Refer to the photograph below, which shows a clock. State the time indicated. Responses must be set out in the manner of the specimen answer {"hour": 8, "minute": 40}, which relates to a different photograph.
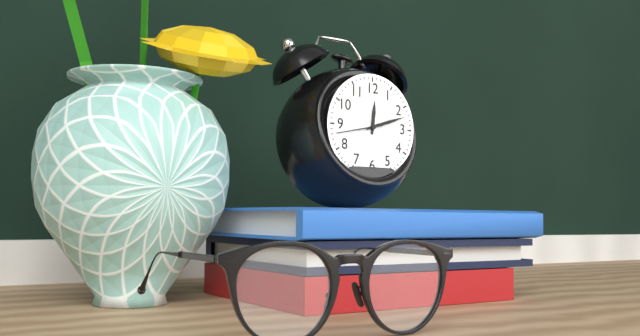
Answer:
{"hour": 12, "minute": 12}
